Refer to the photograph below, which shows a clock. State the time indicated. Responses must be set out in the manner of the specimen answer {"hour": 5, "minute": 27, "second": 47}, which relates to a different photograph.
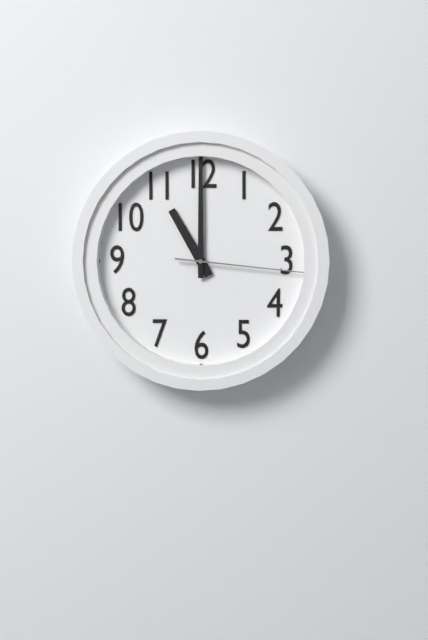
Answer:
{"hour": 11, "minute": 0, "second": 16}
